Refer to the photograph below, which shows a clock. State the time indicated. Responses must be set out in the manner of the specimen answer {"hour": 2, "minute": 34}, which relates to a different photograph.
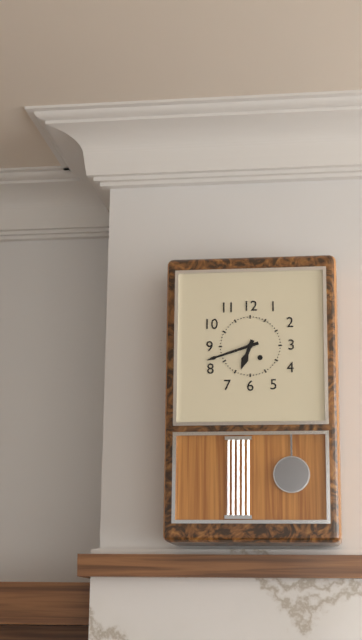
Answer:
{"hour": 6, "minute": 42}
